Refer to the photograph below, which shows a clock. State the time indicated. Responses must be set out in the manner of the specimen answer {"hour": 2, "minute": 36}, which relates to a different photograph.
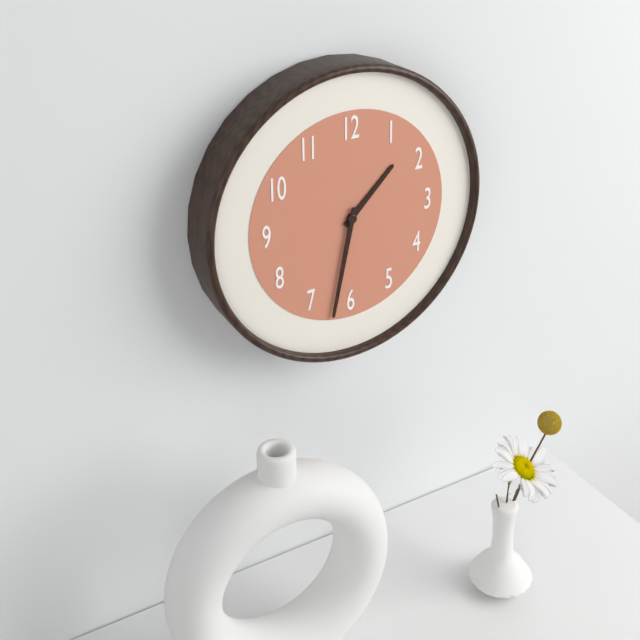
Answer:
{"hour": 1, "minute": 32}
